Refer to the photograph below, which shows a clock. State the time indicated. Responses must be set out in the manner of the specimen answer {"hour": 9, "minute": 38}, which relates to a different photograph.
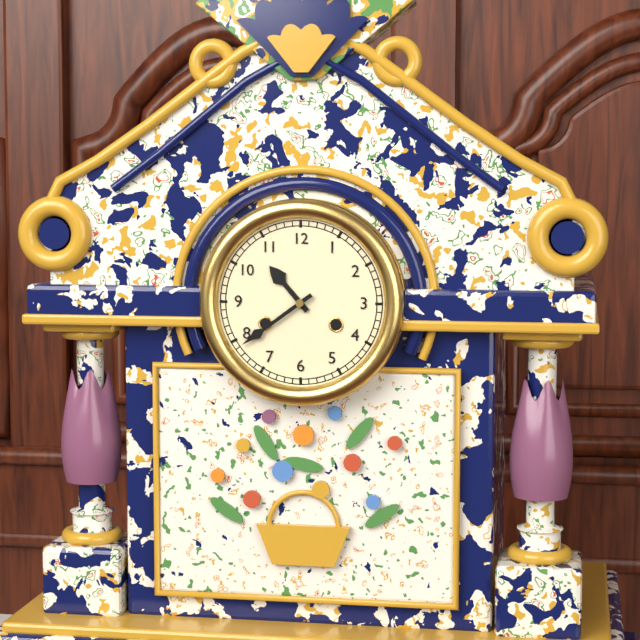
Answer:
{"hour": 10, "minute": 39}
